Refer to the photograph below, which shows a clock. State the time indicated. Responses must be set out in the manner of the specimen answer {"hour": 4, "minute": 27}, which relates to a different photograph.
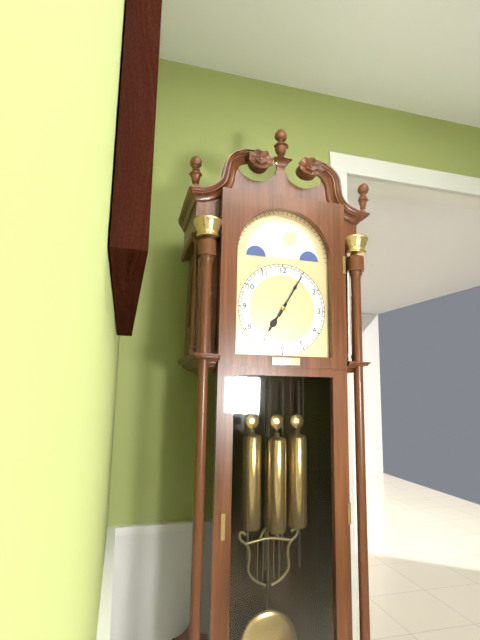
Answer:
{"hour": 7, "minute": 5}
